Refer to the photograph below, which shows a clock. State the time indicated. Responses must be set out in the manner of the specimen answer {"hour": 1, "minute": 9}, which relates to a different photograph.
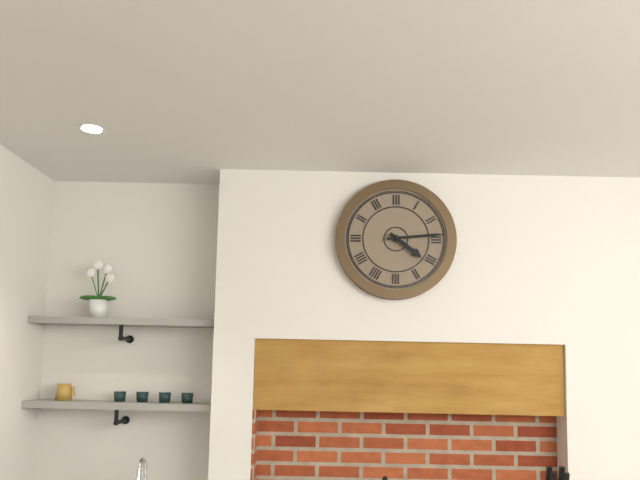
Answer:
{"hour": 4, "minute": 14}
